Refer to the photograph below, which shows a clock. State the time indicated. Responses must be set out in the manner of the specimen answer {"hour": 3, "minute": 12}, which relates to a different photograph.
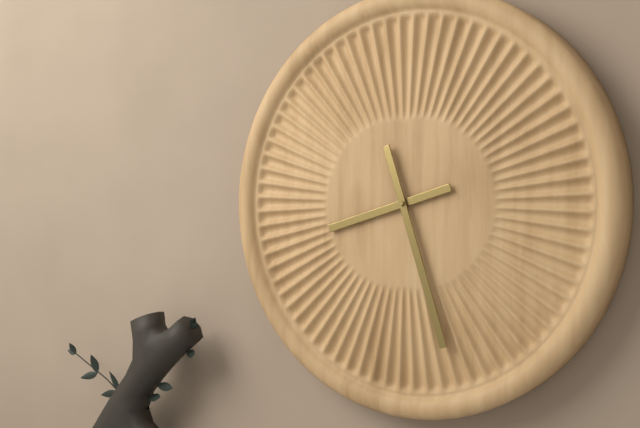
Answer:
{"hour": 8, "minute": 27}
